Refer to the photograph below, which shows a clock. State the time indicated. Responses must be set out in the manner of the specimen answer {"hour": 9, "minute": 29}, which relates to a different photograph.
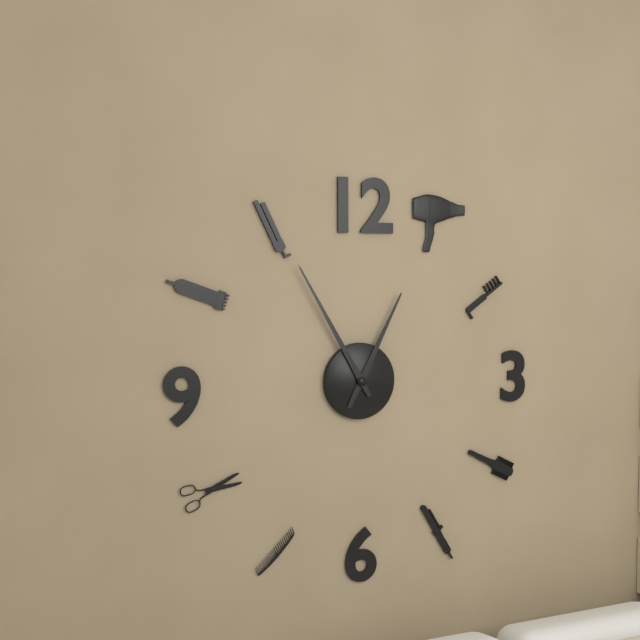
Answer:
{"hour": 12, "minute": 55}
